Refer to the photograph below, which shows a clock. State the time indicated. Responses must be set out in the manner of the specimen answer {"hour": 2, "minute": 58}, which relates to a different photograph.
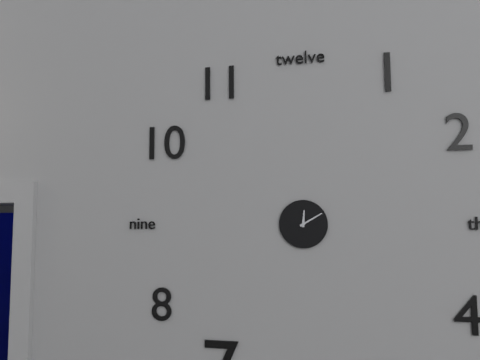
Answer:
{"hour": 12, "minute": 10}
